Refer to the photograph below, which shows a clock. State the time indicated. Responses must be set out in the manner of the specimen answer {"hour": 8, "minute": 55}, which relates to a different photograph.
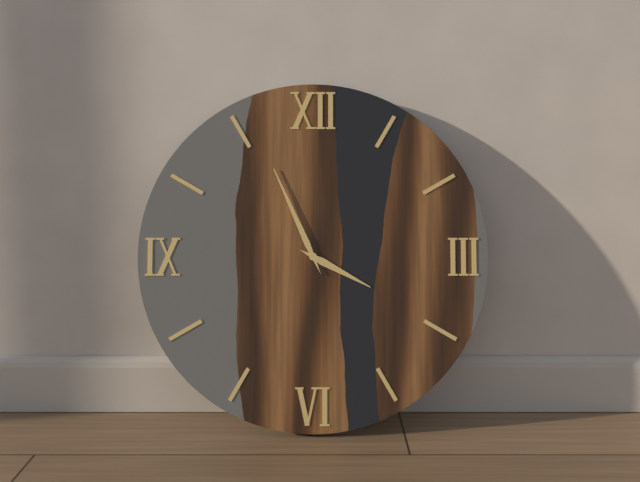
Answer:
{"hour": 3, "minute": 56}
